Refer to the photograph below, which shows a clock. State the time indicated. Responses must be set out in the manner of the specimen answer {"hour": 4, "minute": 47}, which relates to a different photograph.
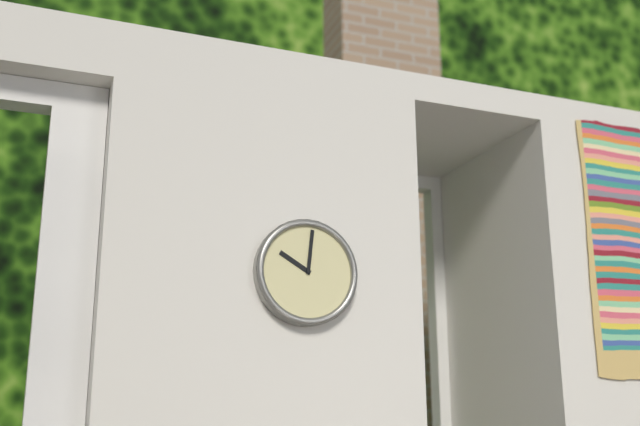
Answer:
{"hour": 10, "minute": 1}
